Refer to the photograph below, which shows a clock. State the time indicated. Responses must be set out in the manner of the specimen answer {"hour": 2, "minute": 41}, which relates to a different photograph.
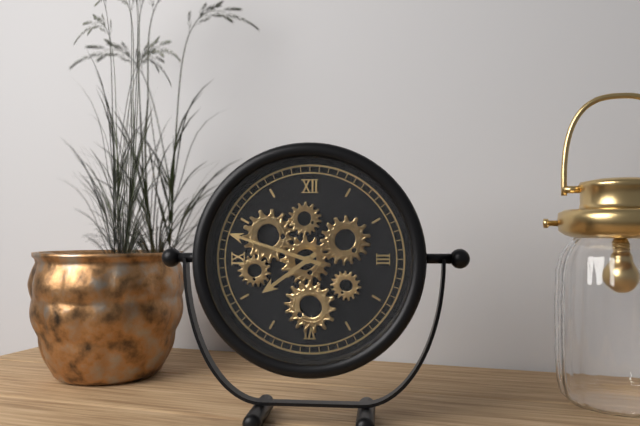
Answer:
{"hour": 7, "minute": 48}
